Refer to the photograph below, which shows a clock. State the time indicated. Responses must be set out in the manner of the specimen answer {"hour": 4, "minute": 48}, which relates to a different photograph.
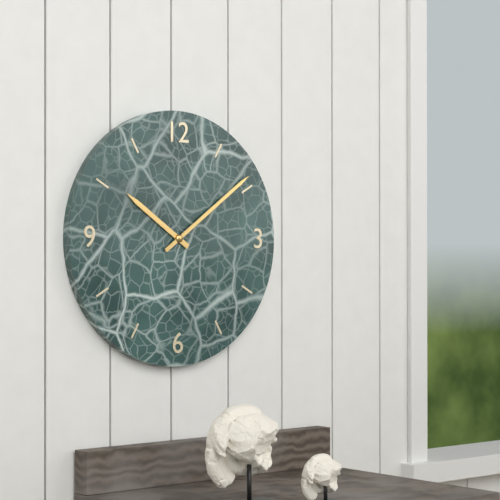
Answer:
{"hour": 10, "minute": 9}
